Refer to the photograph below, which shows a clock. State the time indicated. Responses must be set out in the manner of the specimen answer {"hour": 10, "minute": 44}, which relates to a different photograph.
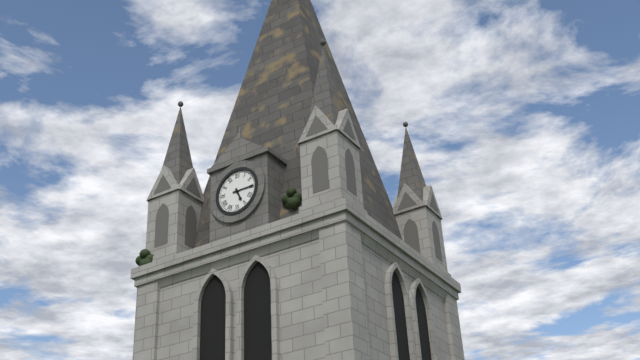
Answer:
{"hour": 5, "minute": 15}
